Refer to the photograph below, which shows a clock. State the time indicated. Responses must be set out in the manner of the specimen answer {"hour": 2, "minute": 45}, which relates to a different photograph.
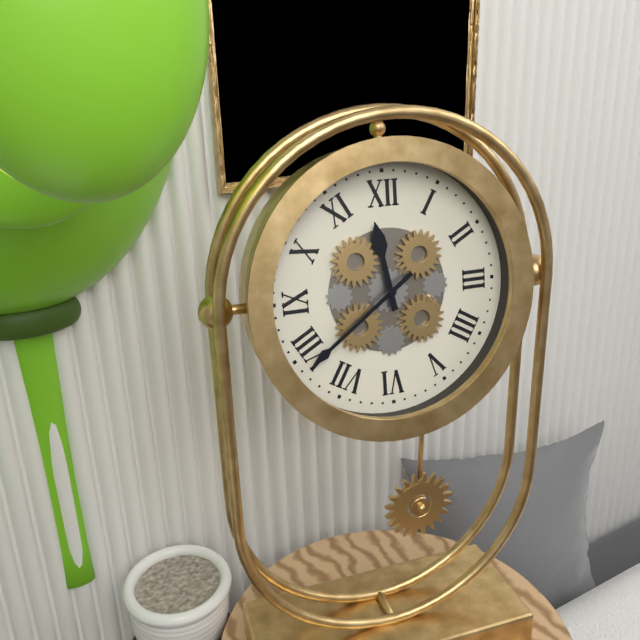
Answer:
{"hour": 11, "minute": 39}
